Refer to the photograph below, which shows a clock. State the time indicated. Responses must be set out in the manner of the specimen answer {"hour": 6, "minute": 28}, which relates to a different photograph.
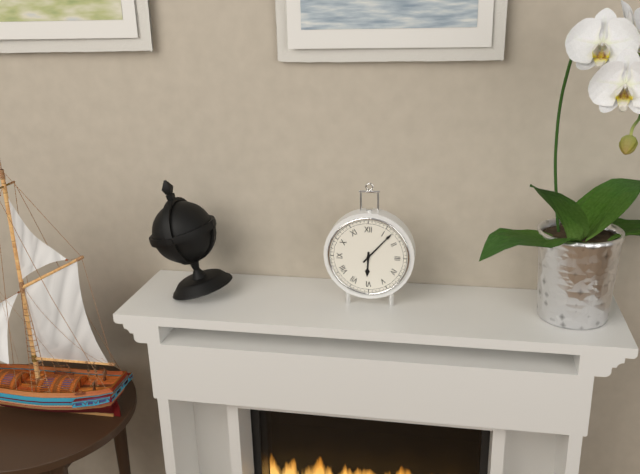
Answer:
{"hour": 6, "minute": 7}
